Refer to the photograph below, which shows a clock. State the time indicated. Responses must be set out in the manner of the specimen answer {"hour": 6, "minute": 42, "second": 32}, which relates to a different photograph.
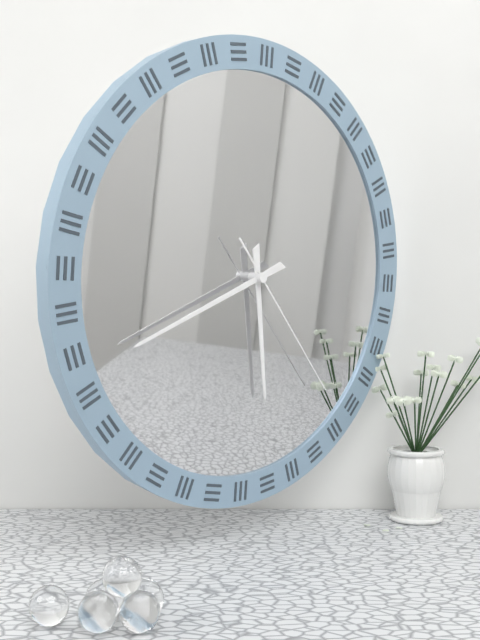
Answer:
{"hour": 5, "minute": 41, "second": 23}
